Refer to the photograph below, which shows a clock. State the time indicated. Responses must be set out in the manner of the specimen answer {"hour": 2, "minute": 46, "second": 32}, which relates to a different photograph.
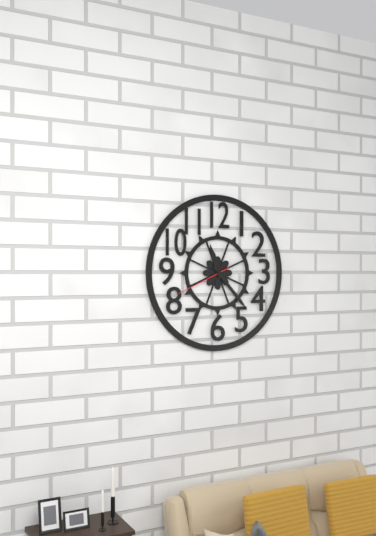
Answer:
{"hour": 11, "minute": 23, "second": 41}
